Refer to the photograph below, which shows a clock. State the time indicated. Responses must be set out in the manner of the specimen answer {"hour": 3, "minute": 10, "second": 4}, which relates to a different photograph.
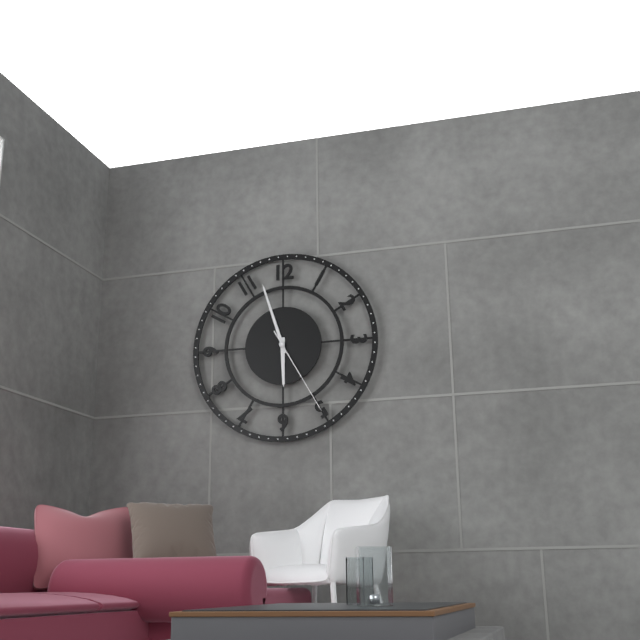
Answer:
{"hour": 5, "minute": 57, "second": 25}
